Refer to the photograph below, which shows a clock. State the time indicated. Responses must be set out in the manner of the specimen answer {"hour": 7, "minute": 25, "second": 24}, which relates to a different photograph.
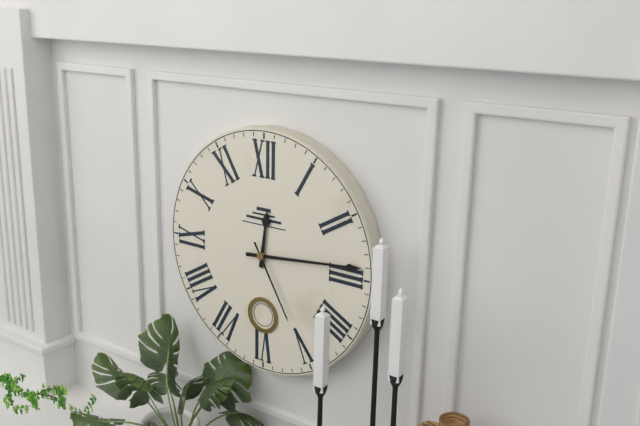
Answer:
{"hour": 12, "minute": 14, "second": 25}
